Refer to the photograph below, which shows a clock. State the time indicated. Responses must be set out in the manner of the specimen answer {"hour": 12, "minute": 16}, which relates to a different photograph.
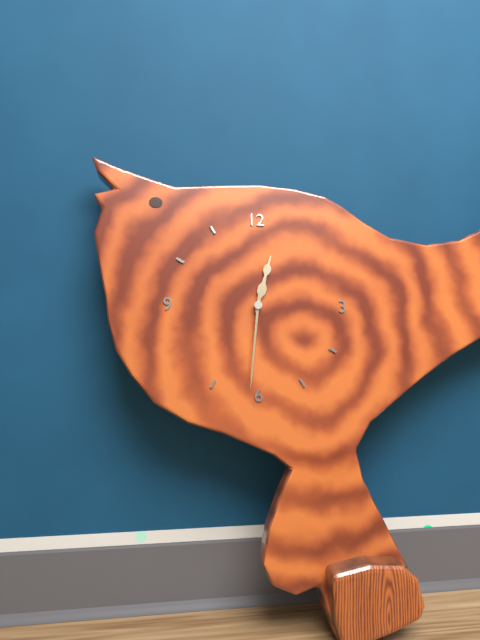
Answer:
{"hour": 12, "minute": 31}
